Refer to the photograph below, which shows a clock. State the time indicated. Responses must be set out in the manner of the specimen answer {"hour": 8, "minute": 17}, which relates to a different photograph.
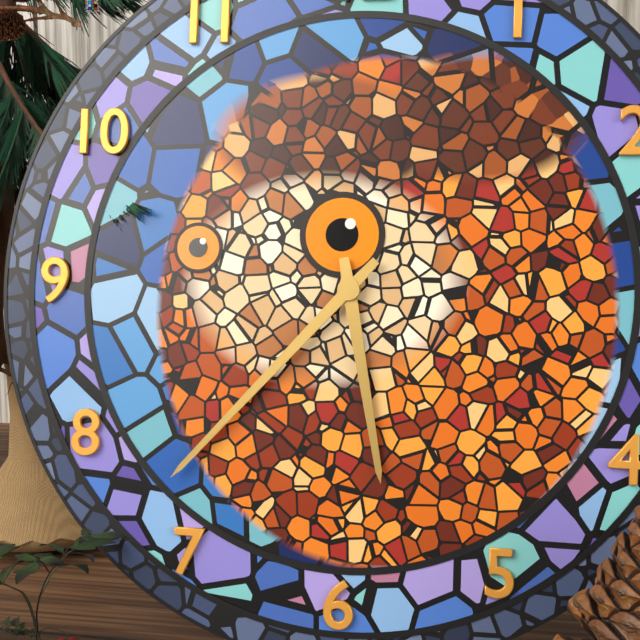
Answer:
{"hour": 5, "minute": 37}
